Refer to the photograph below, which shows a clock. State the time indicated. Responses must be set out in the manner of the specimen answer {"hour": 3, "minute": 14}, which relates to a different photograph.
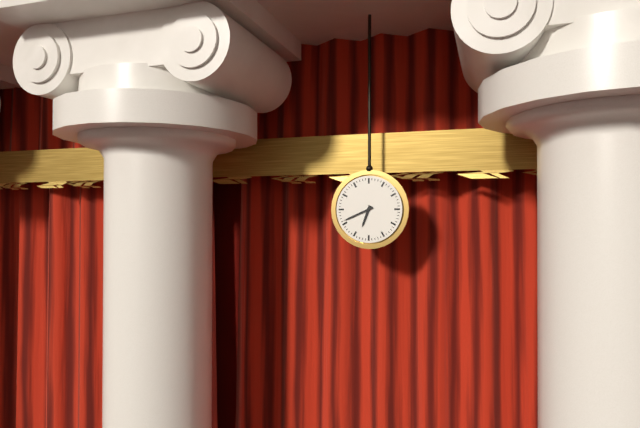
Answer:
{"hour": 6, "minute": 41}
